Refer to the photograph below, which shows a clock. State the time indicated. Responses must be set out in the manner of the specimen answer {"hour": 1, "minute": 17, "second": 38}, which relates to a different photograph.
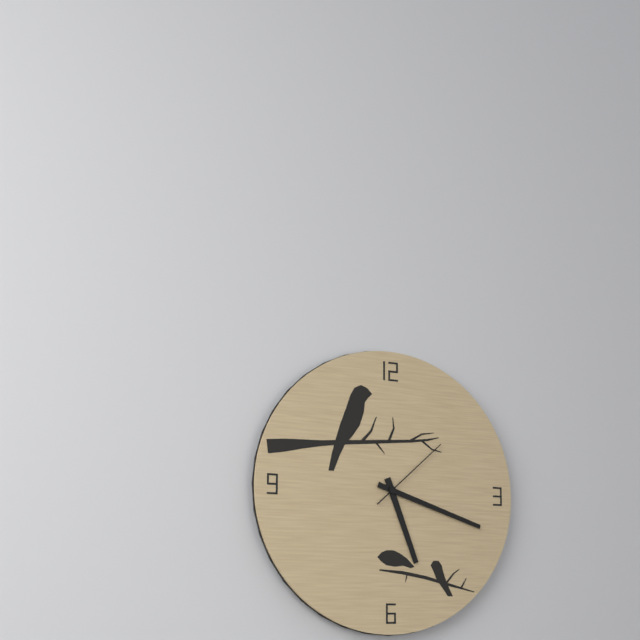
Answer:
{"hour": 5, "minute": 18, "second": 8}
